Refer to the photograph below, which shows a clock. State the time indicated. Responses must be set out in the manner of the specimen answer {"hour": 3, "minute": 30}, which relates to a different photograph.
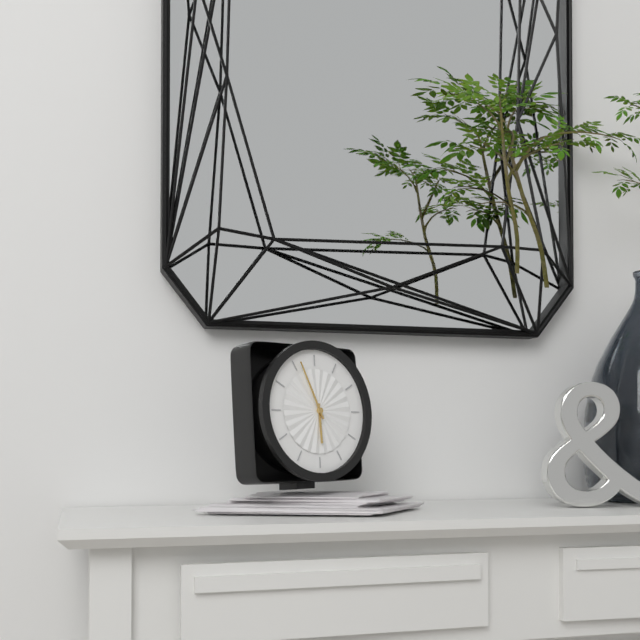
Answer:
{"hour": 5, "minute": 56}
